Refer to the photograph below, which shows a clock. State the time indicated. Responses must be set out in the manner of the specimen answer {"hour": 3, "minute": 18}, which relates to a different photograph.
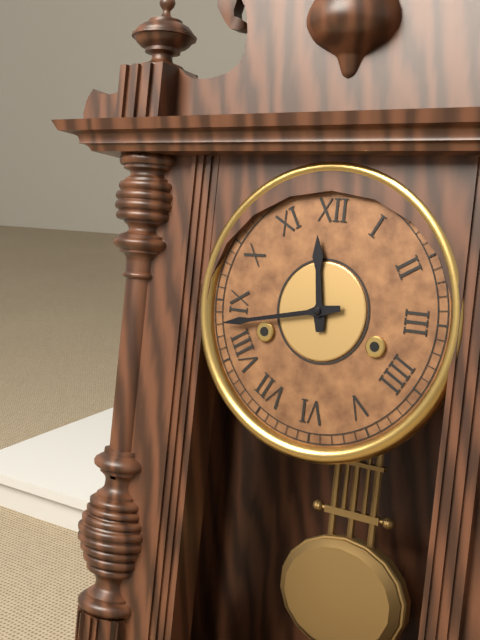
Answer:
{"hour": 11, "minute": 43}
